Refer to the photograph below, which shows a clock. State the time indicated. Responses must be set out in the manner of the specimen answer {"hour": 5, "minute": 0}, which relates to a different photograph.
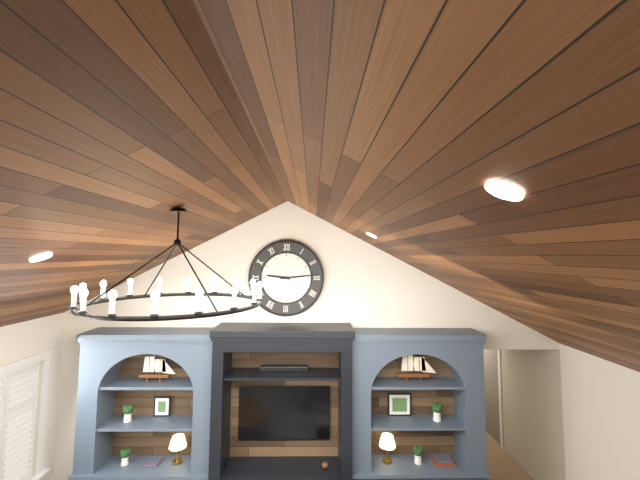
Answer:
{"hour": 9, "minute": 14}
